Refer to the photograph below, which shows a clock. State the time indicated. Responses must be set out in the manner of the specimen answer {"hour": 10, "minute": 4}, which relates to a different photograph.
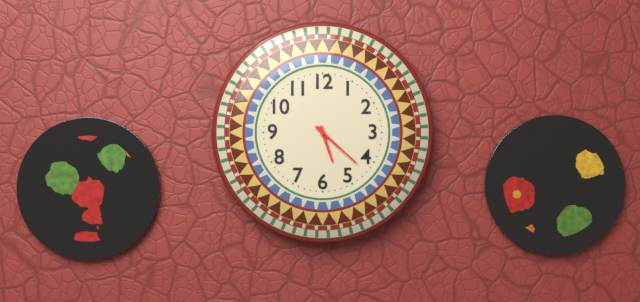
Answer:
{"hour": 5, "minute": 22}
